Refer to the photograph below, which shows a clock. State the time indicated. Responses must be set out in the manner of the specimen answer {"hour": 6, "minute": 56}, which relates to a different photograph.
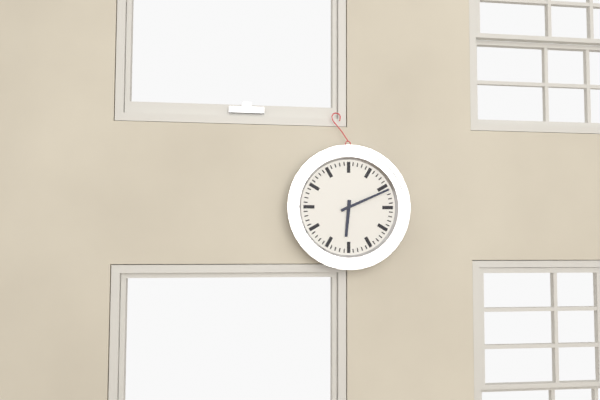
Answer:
{"hour": 6, "minute": 11}
